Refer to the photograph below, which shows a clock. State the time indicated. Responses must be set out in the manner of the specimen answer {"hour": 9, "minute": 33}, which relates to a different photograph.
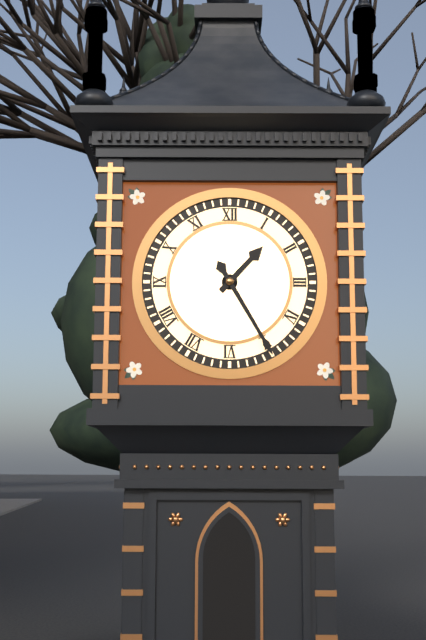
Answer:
{"hour": 1, "minute": 25}
